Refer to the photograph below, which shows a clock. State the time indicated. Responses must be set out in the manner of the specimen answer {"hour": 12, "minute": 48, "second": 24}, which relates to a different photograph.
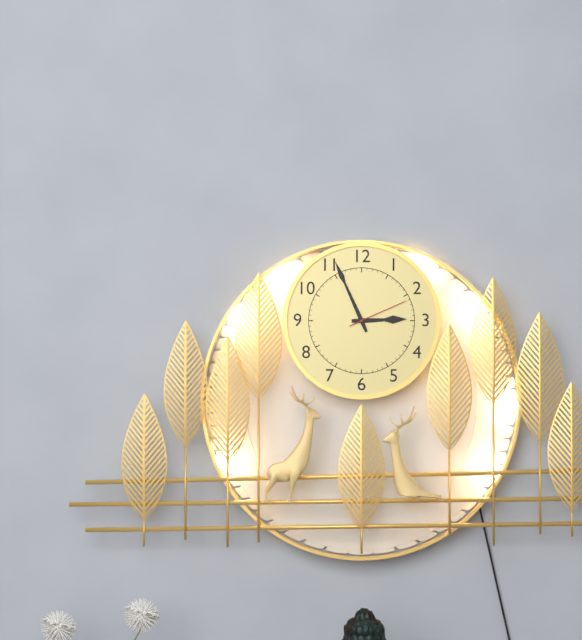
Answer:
{"hour": 2, "minute": 56, "second": 11}
